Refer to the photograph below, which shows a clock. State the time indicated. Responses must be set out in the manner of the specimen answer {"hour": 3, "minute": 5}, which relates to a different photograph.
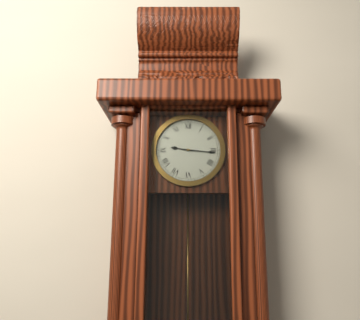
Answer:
{"hour": 9, "minute": 16}
